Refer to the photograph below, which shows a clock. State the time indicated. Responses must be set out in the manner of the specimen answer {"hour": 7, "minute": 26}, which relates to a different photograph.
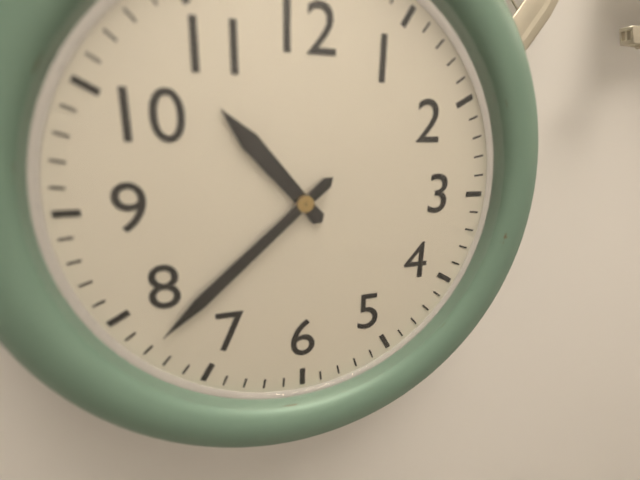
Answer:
{"hour": 10, "minute": 38}
